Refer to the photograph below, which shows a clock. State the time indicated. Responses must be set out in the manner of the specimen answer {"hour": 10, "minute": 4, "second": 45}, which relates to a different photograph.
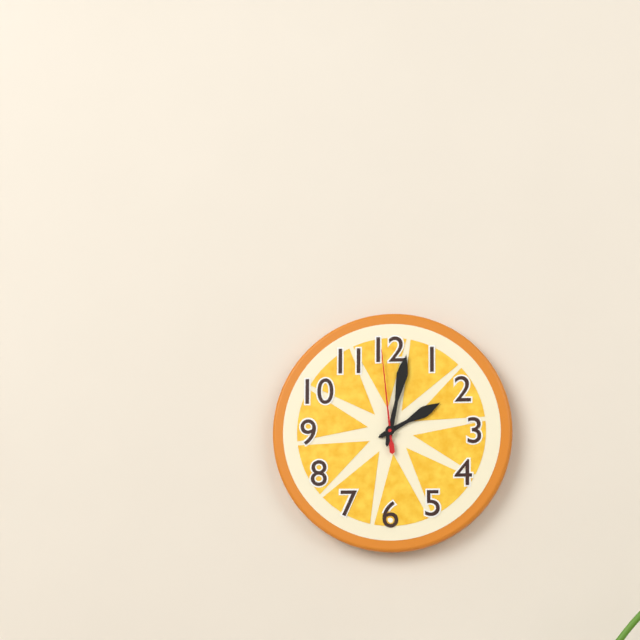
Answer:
{"hour": 2, "minute": 2, "second": 59}
